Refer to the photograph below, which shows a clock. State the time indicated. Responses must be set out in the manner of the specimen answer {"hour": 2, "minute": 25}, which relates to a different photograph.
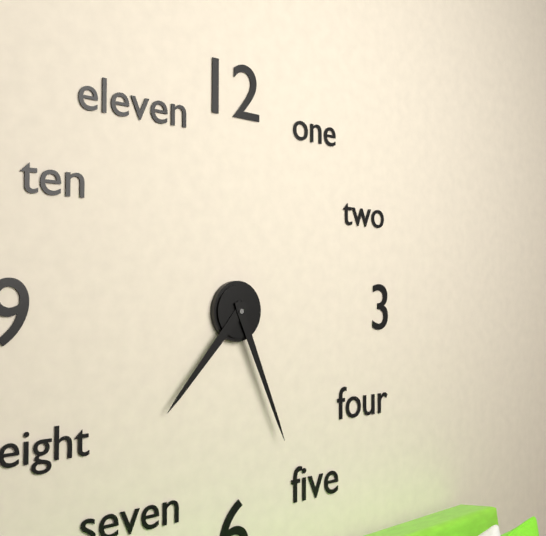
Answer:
{"hour": 7, "minute": 26}
